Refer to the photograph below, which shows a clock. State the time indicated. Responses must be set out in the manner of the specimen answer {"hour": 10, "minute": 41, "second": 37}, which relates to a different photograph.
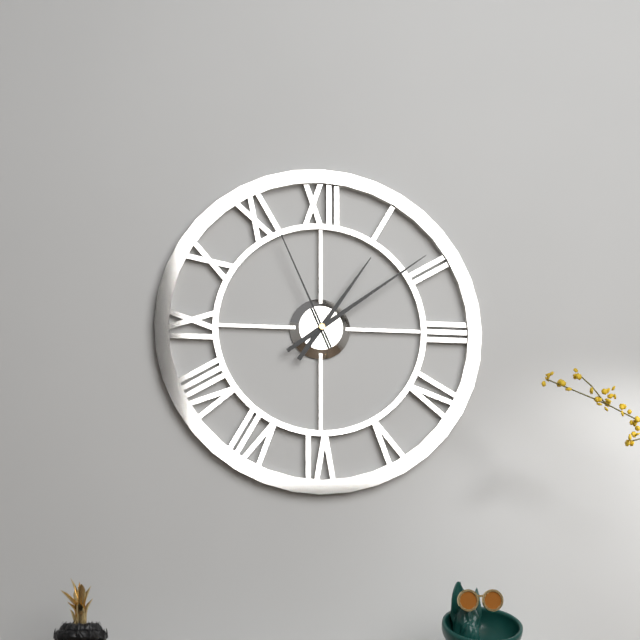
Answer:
{"hour": 1, "minute": 9, "second": 56}
